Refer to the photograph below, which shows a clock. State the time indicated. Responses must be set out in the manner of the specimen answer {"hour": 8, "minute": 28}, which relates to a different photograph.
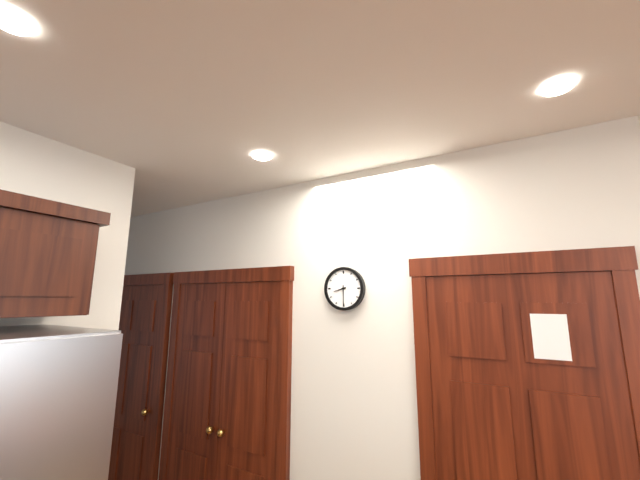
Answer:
{"hour": 8, "minute": 30}
